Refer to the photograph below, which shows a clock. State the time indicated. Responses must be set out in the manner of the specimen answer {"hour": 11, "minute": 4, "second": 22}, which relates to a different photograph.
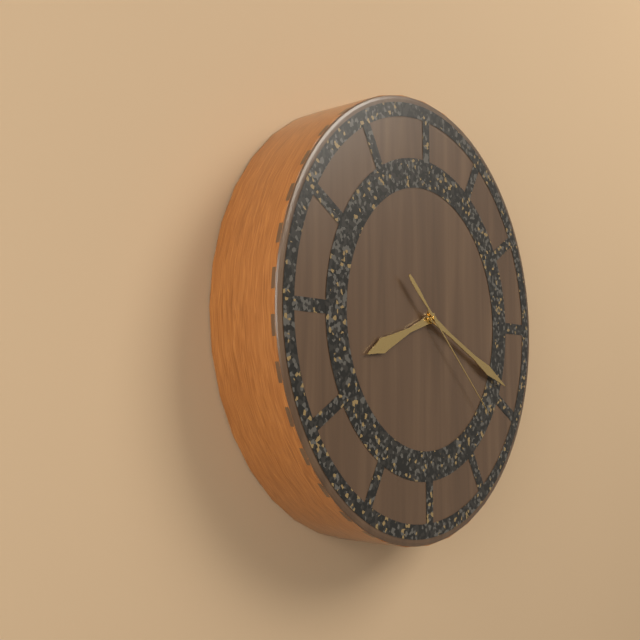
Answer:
{"hour": 8, "minute": 19, "second": 22}
